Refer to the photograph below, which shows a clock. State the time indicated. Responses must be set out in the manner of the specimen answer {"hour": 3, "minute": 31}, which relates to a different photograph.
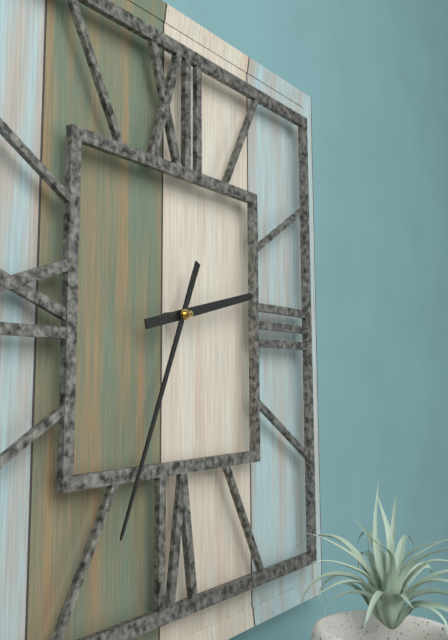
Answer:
{"hour": 2, "minute": 34}
